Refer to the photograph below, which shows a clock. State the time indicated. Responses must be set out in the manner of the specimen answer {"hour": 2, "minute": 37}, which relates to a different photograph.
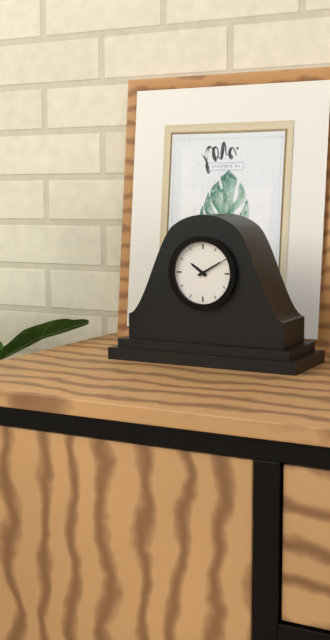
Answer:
{"hour": 10, "minute": 10}
